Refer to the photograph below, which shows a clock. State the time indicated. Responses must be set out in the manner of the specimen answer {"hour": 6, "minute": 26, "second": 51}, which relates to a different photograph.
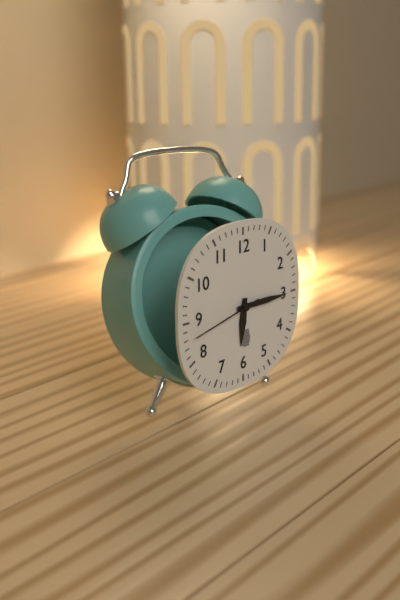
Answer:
{"hour": 6, "minute": 15, "second": 43}
